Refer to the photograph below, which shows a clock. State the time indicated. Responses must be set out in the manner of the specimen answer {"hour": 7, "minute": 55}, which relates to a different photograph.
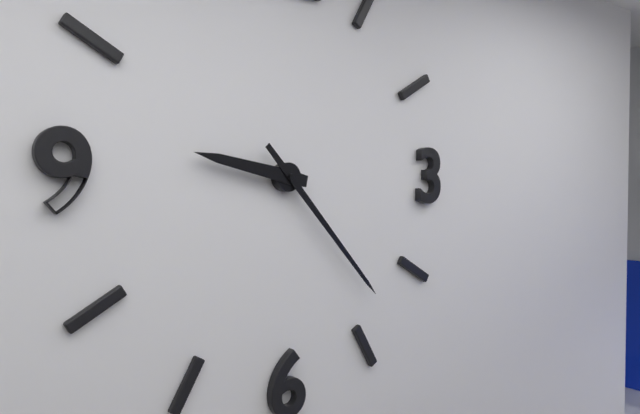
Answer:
{"hour": 9, "minute": 23}
